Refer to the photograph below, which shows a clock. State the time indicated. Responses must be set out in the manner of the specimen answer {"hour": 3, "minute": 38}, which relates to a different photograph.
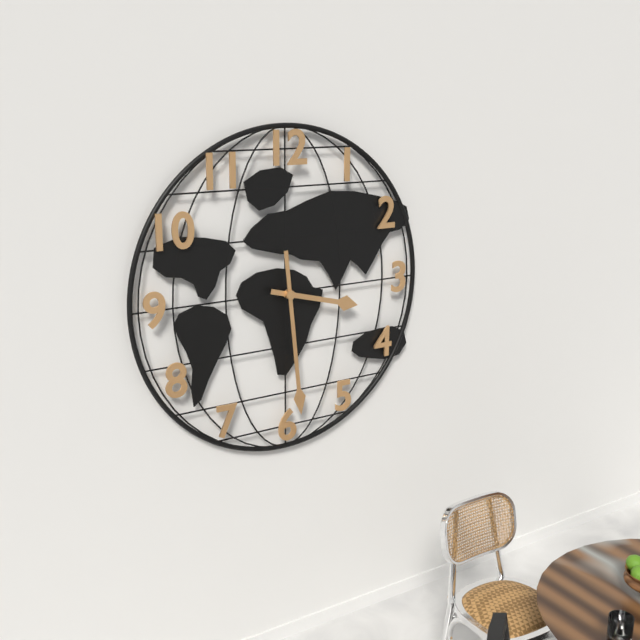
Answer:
{"hour": 3, "minute": 29}
